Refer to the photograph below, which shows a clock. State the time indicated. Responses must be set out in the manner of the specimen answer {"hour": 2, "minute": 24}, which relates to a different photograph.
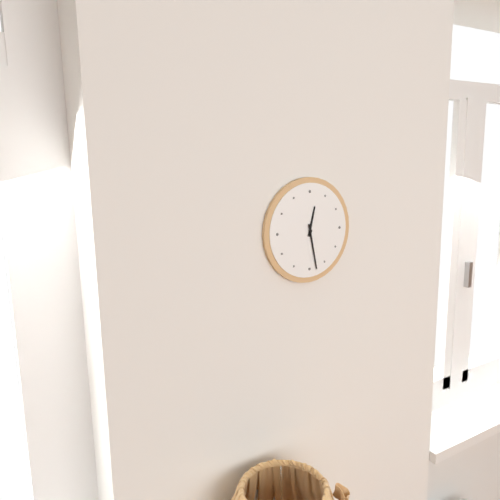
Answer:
{"hour": 12, "minute": 28}
